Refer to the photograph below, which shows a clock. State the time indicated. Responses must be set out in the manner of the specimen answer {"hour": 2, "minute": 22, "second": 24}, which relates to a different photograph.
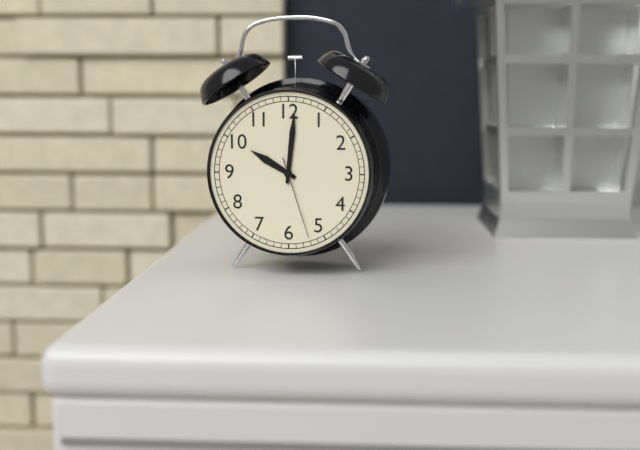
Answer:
{"hour": 10, "minute": 1, "second": 27}
